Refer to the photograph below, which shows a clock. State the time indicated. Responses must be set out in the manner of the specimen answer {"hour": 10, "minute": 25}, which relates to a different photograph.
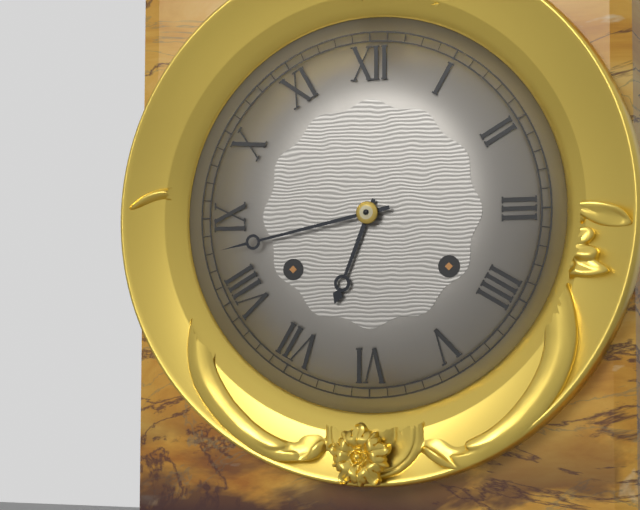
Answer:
{"hour": 6, "minute": 43}
